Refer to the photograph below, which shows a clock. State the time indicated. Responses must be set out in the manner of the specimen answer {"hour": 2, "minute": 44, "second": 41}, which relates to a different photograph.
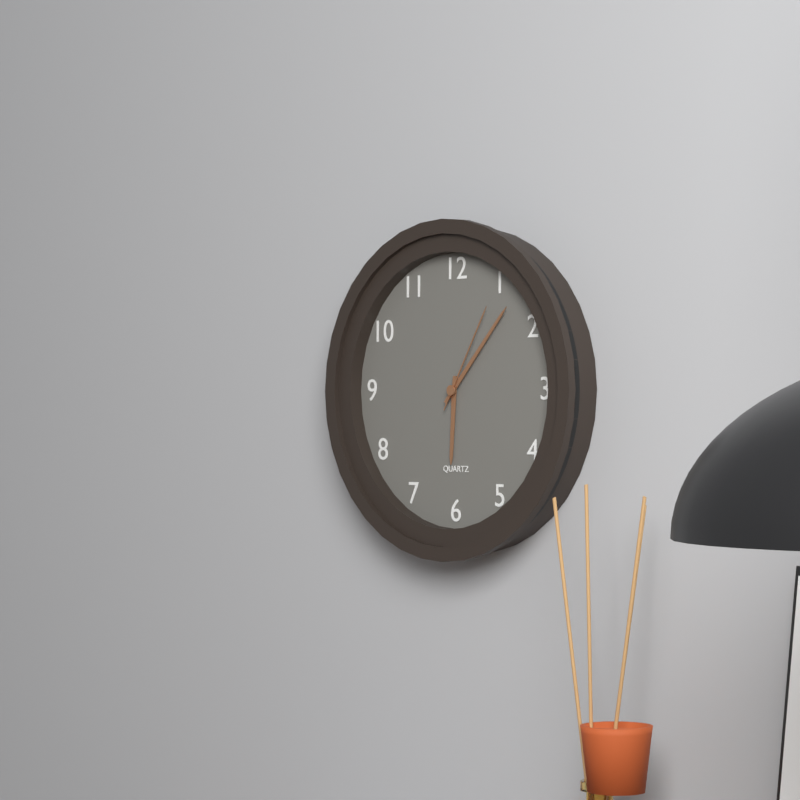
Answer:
{"hour": 6, "minute": 7, "second": 5}
